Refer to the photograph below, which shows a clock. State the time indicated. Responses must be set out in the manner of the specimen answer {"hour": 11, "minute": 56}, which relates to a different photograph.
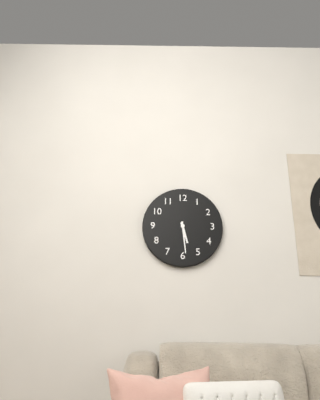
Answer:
{"hour": 5, "minute": 29}
